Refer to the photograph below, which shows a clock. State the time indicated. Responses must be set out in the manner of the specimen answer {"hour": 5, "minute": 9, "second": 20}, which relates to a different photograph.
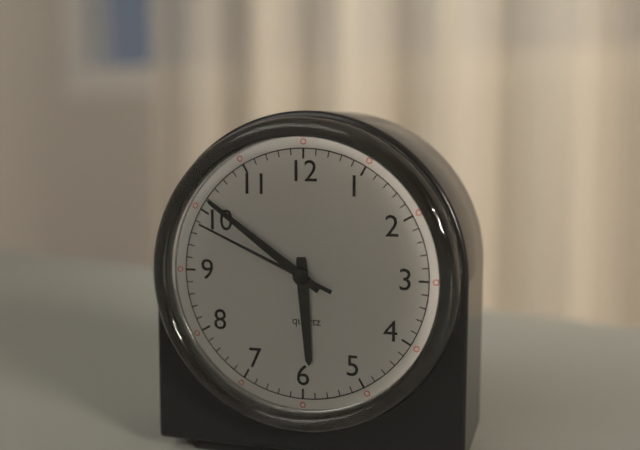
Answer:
{"hour": 5, "minute": 51, "second": 49}
